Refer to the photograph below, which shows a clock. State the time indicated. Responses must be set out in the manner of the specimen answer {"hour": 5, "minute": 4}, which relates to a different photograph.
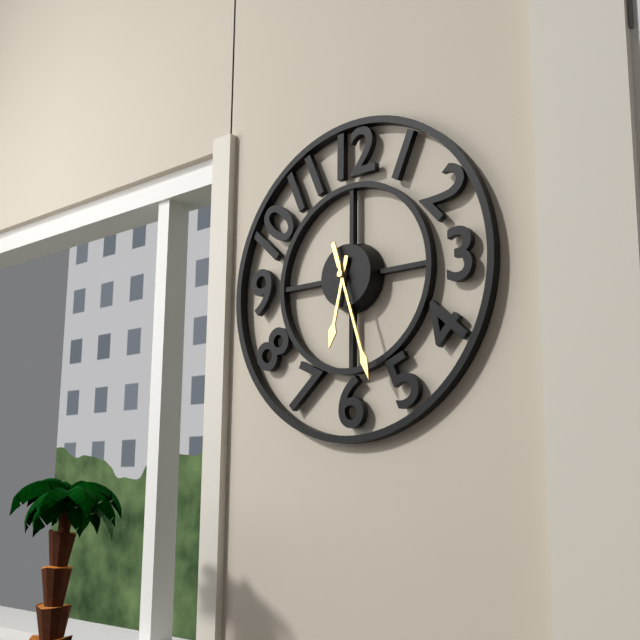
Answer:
{"hour": 6, "minute": 27}
